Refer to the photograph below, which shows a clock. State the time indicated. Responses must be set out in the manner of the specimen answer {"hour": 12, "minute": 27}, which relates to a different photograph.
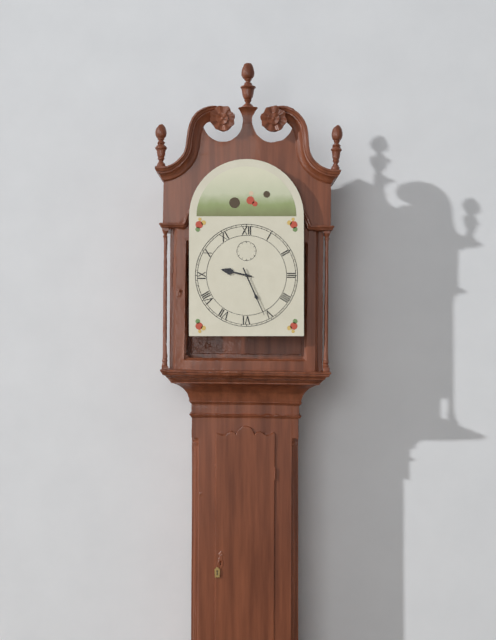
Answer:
{"hour": 9, "minute": 26}
